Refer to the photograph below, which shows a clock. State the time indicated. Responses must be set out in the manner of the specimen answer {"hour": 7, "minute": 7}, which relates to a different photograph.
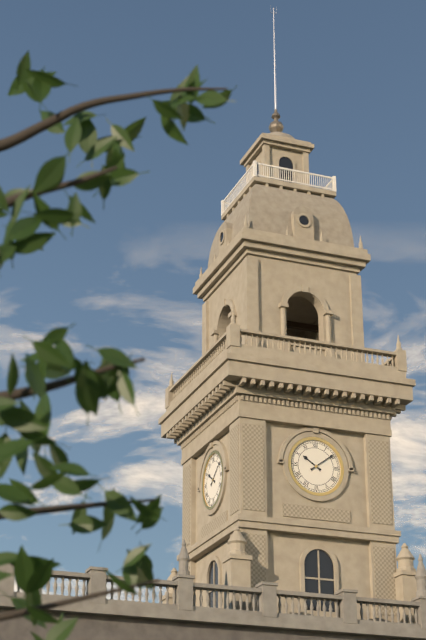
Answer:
{"hour": 10, "minute": 9}
